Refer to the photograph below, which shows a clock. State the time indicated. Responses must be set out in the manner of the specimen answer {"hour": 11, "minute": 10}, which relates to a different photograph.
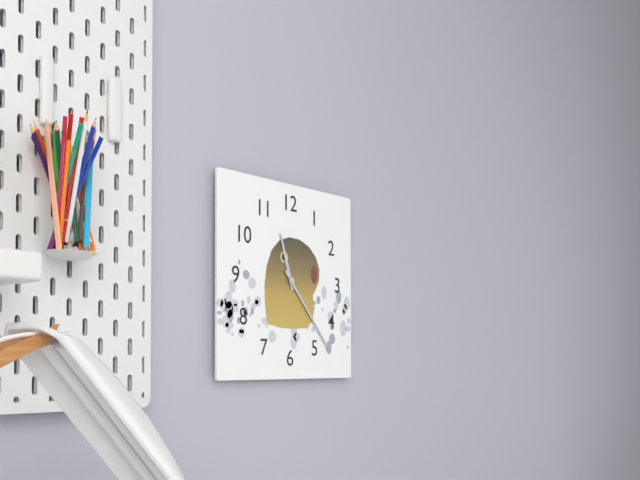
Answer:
{"hour": 11, "minute": 23}
